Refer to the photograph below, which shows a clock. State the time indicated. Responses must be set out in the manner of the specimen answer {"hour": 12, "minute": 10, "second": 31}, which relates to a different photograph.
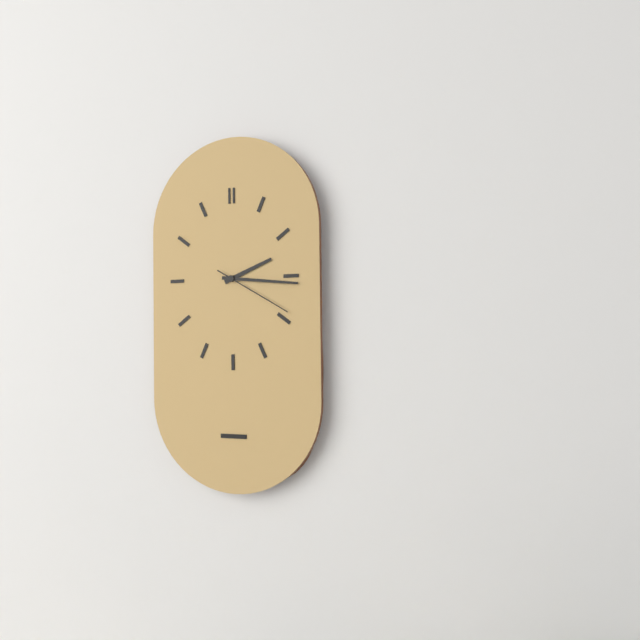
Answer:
{"hour": 2, "minute": 16, "second": 20}
